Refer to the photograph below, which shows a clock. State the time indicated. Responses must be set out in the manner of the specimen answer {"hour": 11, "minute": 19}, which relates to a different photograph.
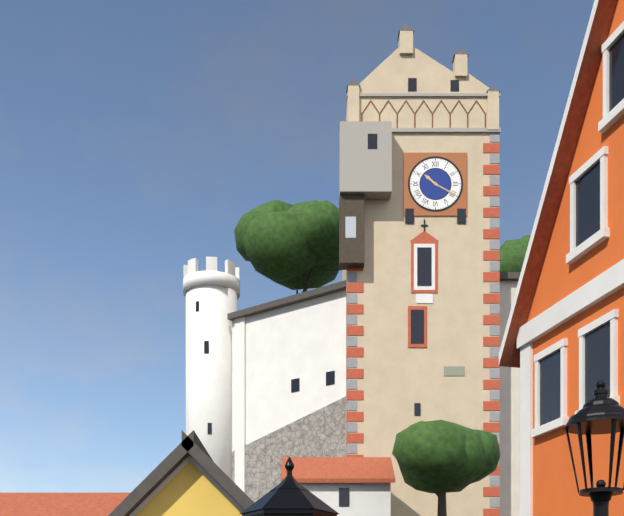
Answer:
{"hour": 10, "minute": 20}
